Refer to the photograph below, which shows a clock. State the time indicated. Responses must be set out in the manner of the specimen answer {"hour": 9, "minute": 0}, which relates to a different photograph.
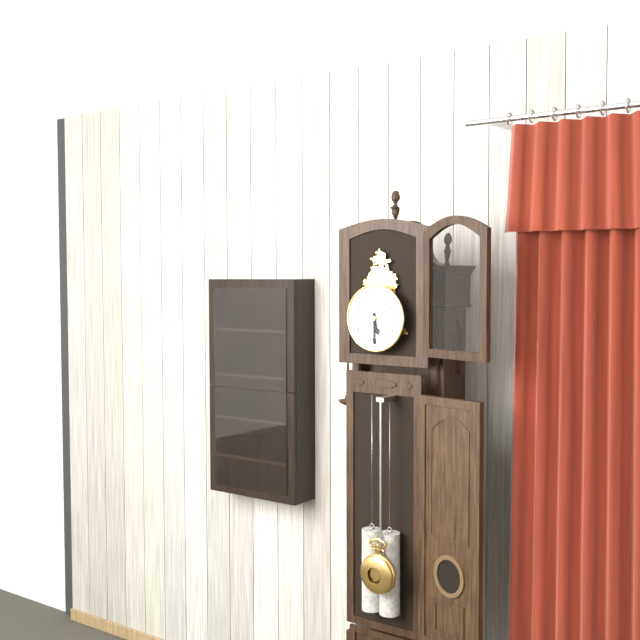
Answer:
{"hour": 5, "minute": 30}
